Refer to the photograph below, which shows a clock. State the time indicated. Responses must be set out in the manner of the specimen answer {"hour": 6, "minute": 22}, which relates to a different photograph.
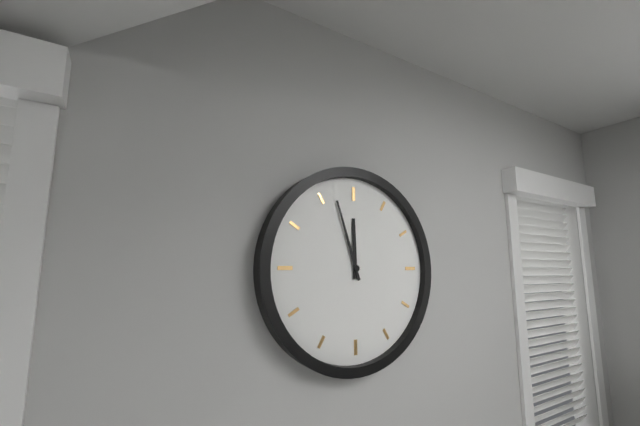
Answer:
{"hour": 11, "minute": 57}
